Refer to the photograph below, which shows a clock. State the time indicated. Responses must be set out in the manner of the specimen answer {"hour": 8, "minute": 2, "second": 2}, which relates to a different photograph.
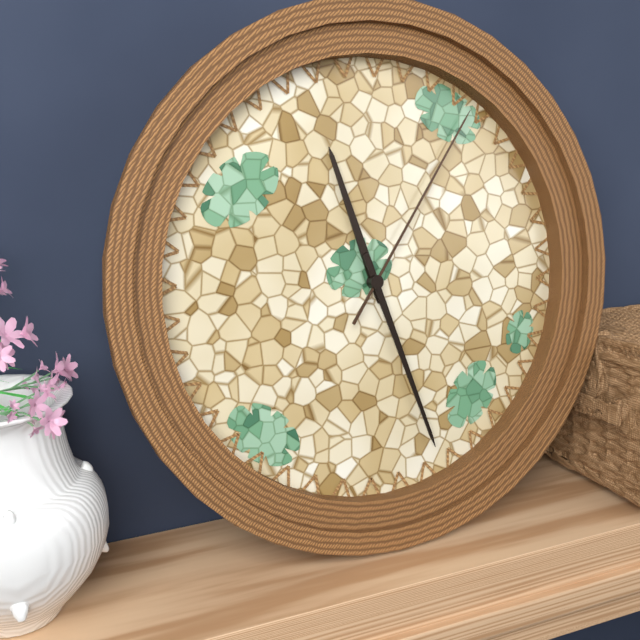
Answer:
{"hour": 11, "minute": 27, "second": 6}
